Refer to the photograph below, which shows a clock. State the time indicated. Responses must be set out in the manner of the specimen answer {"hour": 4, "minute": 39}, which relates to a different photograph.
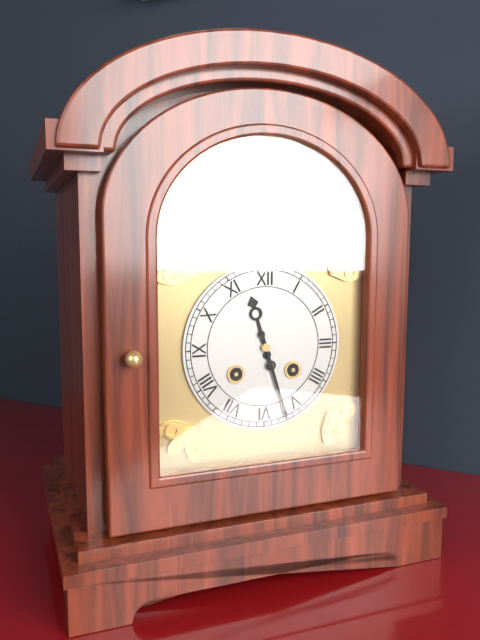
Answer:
{"hour": 11, "minute": 27}
